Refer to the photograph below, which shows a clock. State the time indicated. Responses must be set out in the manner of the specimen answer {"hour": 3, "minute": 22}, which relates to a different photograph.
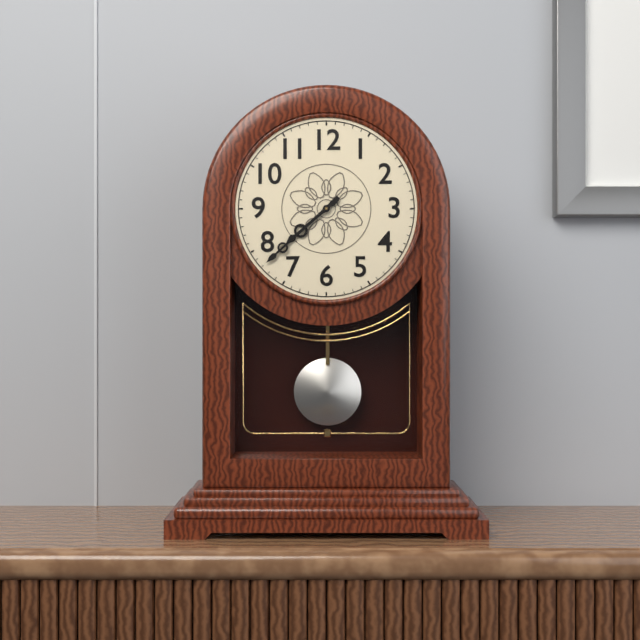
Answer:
{"hour": 7, "minute": 38}
